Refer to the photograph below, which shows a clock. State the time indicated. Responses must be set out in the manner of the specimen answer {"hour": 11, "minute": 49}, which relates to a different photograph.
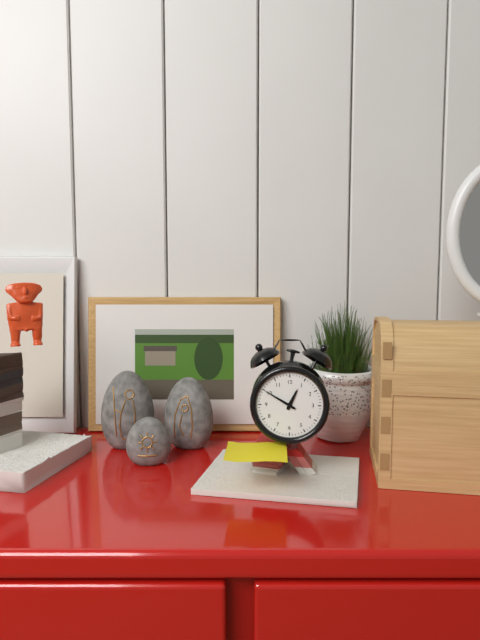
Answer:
{"hour": 12, "minute": 50}
